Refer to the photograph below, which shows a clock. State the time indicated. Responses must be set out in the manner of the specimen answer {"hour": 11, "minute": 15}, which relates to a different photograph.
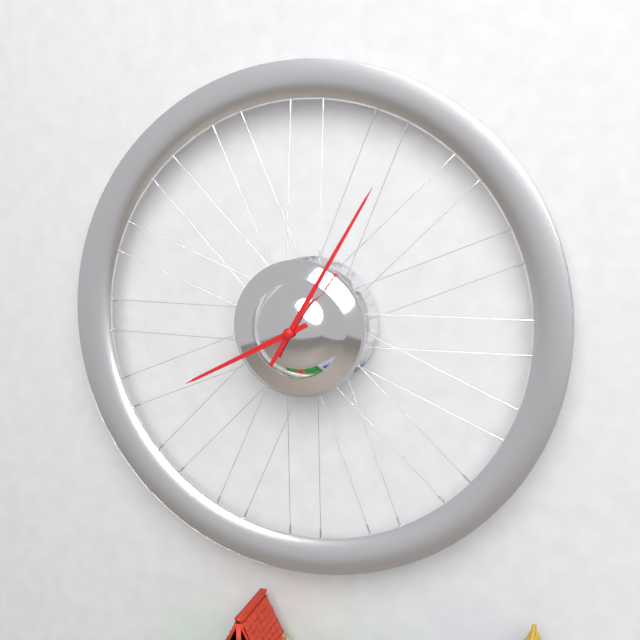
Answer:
{"hour": 8, "minute": 5}
